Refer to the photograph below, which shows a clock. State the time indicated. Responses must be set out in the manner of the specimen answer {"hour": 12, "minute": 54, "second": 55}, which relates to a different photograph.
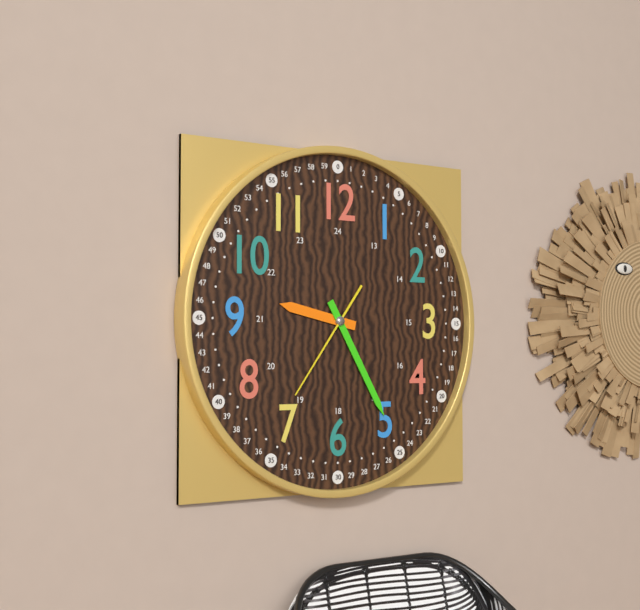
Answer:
{"hour": 9, "minute": 25, "second": 36}
